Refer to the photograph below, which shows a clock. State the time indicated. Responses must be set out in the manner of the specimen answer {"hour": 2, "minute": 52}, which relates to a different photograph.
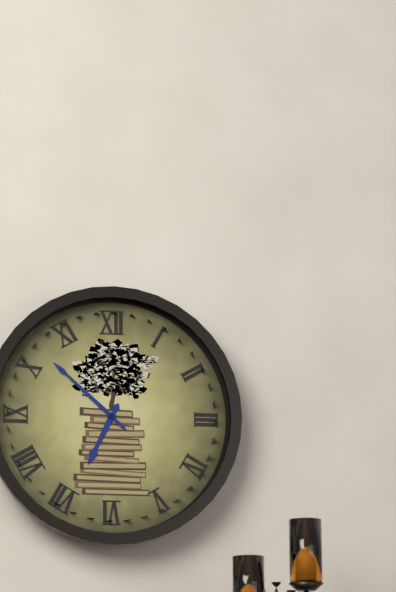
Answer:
{"hour": 6, "minute": 52}
